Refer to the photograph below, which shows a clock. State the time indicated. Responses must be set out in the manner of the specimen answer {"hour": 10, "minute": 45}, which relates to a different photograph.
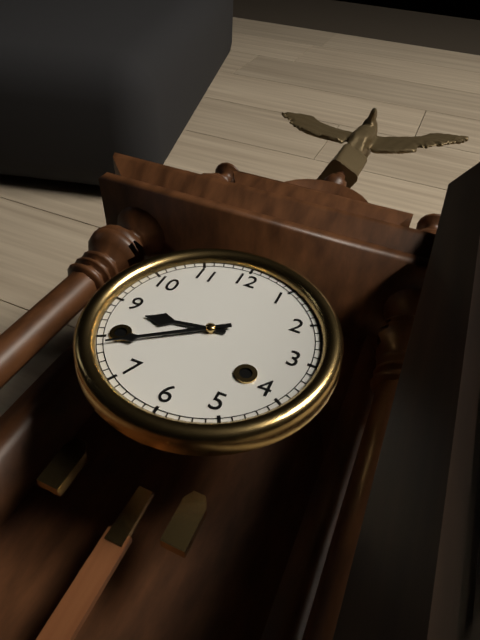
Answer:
{"hour": 8, "minute": 39}
